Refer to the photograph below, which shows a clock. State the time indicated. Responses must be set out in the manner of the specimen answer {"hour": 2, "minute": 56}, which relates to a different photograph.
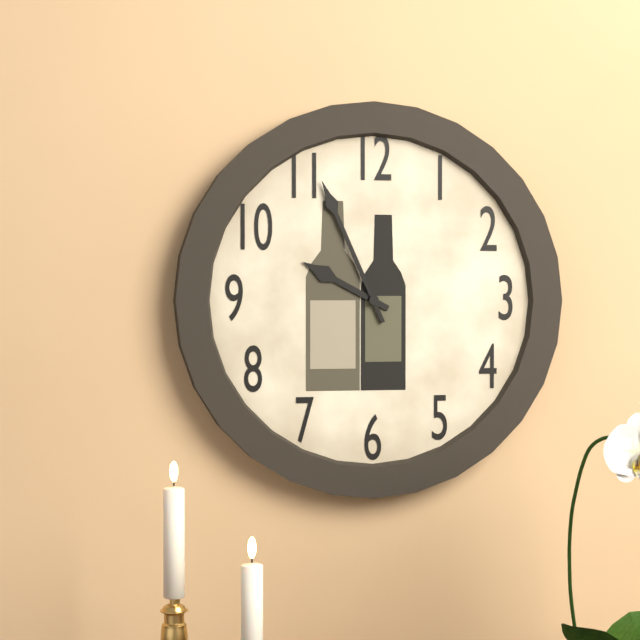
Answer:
{"hour": 9, "minute": 56}
